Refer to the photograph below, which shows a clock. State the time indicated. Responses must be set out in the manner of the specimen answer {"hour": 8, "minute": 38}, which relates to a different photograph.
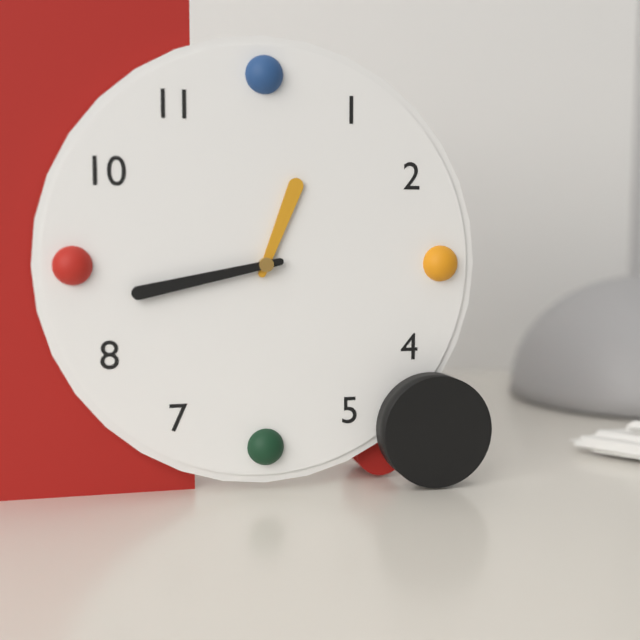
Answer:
{"hour": 12, "minute": 43}
